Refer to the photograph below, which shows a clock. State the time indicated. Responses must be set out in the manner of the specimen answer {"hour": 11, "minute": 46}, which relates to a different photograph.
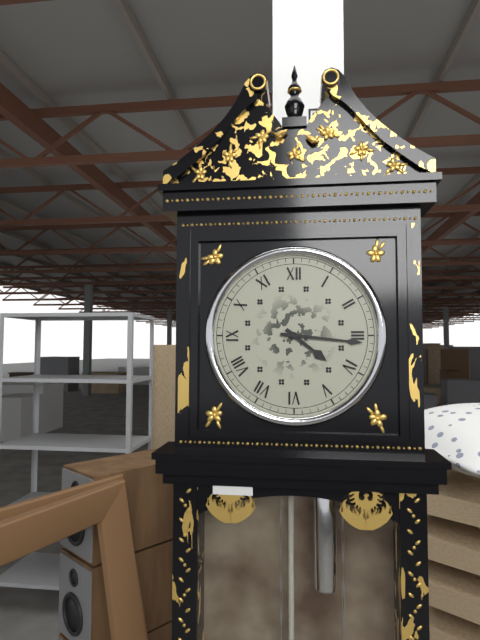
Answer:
{"hour": 4, "minute": 16}
